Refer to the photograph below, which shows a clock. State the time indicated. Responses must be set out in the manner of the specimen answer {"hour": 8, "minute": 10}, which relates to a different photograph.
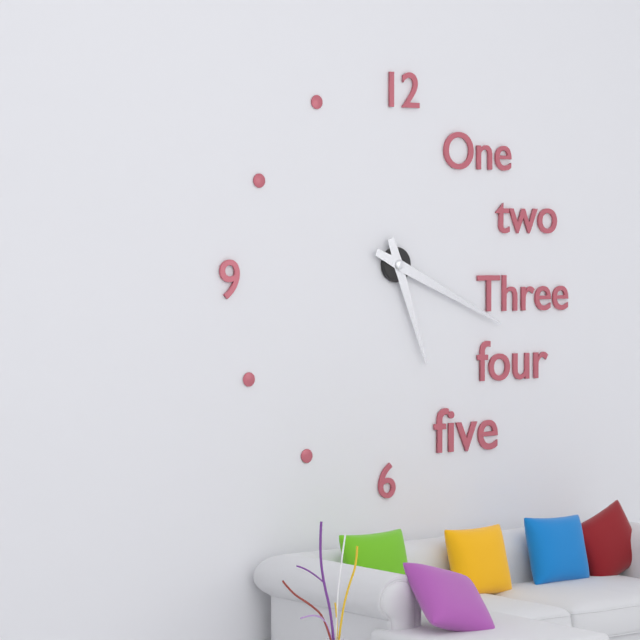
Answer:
{"hour": 5, "minute": 19}
